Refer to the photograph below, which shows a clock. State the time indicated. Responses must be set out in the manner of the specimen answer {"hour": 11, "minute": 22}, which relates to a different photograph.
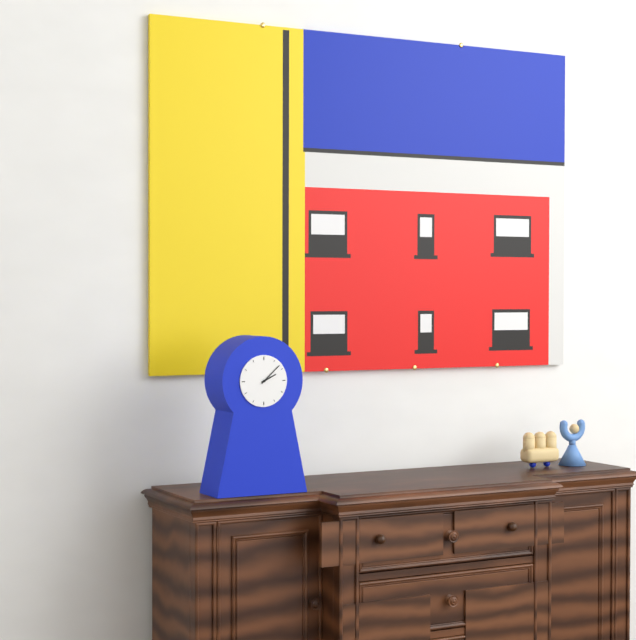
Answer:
{"hour": 2, "minute": 8}
